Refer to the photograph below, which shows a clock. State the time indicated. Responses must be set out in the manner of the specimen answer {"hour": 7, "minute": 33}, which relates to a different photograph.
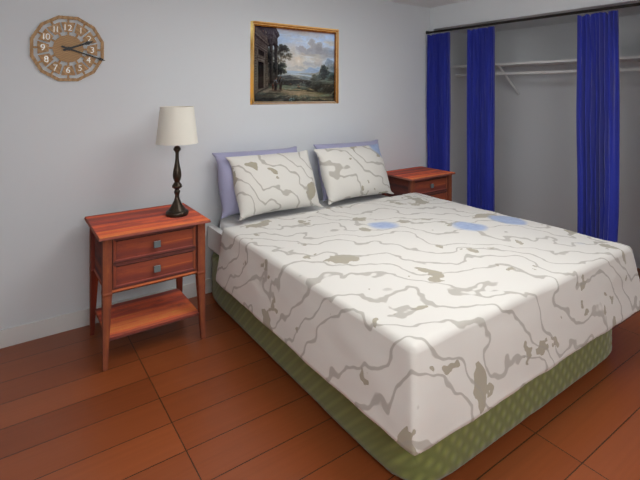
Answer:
{"hour": 2, "minute": 18}
